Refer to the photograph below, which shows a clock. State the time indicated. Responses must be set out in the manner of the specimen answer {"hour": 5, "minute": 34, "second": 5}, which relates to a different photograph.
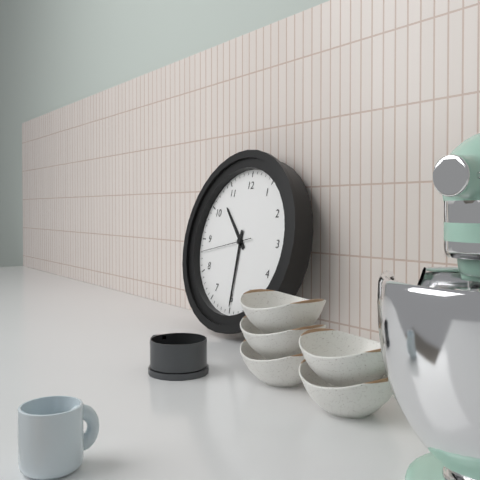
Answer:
{"hour": 10, "minute": 30, "second": 43}
